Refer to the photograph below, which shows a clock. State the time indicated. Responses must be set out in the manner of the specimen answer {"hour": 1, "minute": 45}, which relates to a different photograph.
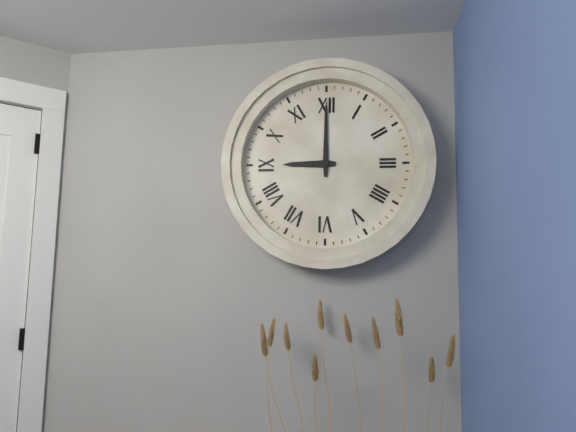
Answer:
{"hour": 9, "minute": 0}
